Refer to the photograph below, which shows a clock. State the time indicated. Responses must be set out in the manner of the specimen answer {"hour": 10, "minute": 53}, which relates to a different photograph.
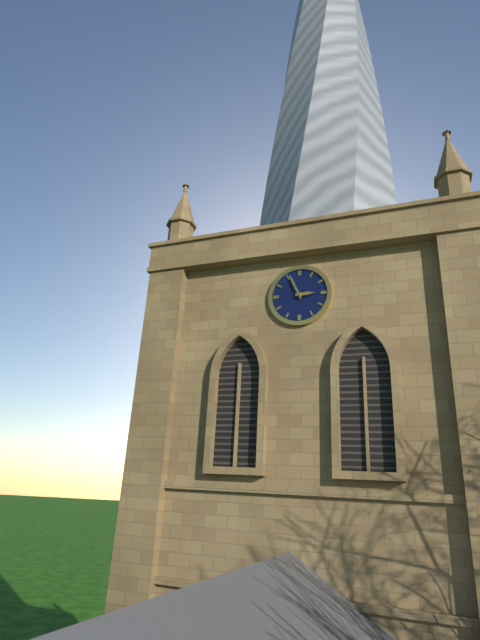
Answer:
{"hour": 2, "minute": 56}
